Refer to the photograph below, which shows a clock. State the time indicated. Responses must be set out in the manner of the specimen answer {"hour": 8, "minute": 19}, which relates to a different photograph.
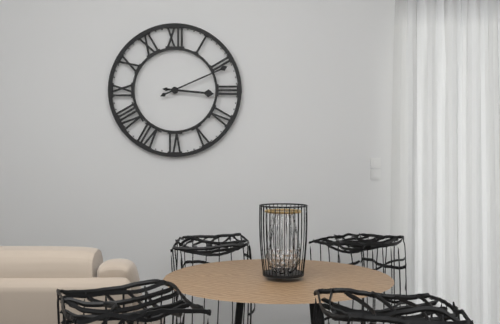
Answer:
{"hour": 3, "minute": 11}
